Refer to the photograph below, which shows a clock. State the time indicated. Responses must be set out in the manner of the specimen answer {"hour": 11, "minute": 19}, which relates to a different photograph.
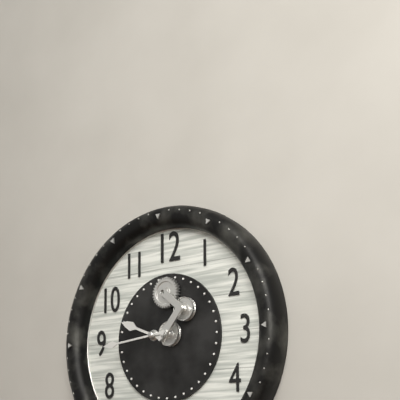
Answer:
{"hour": 9, "minute": 44}
